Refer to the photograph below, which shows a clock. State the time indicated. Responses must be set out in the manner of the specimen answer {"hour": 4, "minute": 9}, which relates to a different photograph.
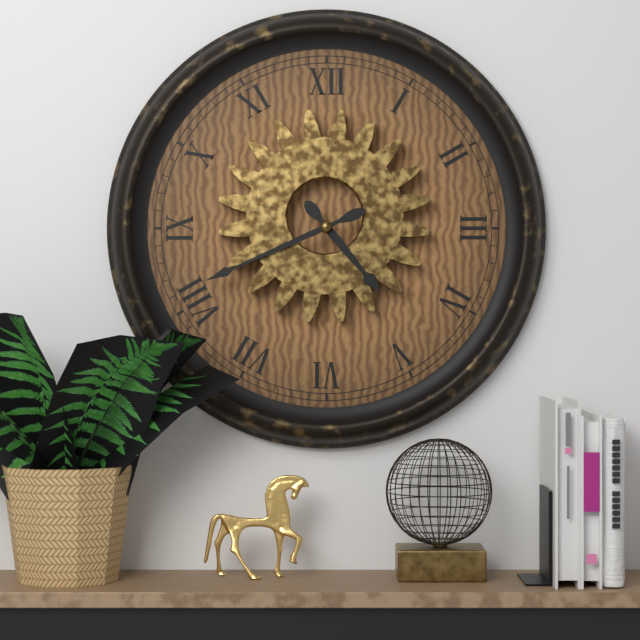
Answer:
{"hour": 4, "minute": 41}
